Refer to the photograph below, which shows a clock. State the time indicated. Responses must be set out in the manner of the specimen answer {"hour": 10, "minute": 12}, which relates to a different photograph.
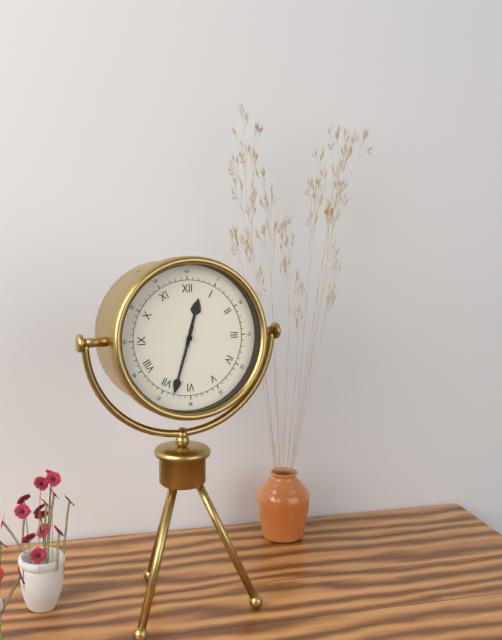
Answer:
{"hour": 12, "minute": 33}
